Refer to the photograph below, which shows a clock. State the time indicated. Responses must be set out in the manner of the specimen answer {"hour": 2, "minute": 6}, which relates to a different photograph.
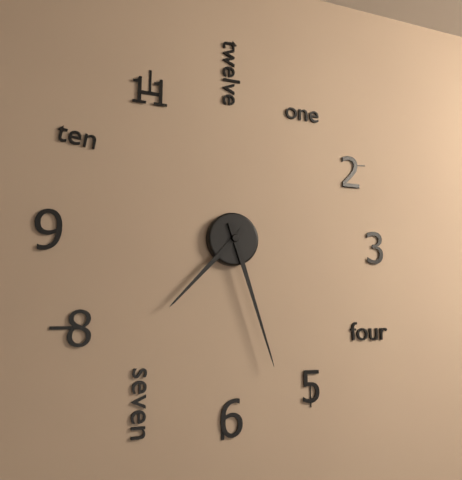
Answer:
{"hour": 7, "minute": 27}
